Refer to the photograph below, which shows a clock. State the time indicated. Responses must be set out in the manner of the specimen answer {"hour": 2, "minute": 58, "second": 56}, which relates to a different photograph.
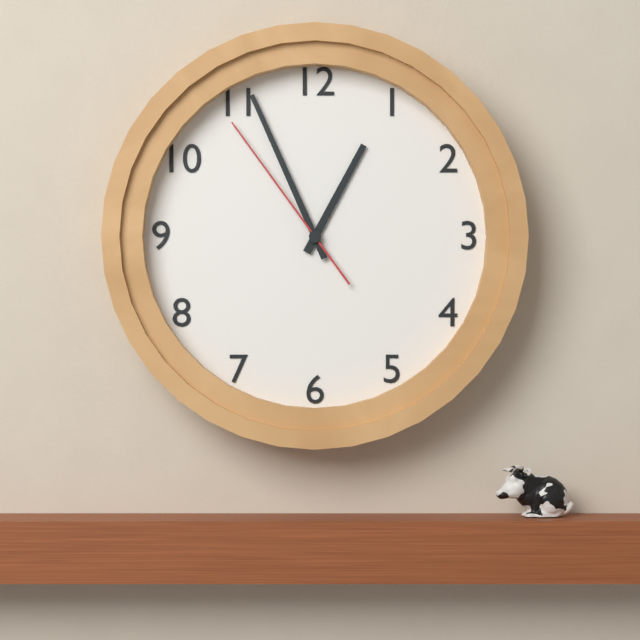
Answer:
{"hour": 12, "minute": 56, "second": 54}
